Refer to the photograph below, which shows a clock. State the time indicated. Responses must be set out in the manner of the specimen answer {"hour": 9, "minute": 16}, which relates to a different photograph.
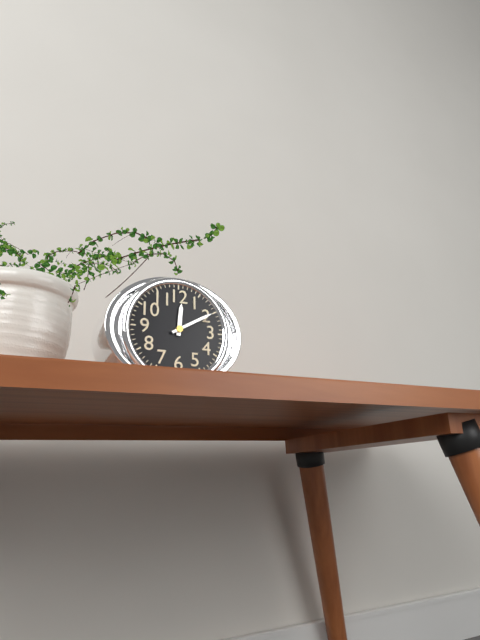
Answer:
{"hour": 12, "minute": 10}
